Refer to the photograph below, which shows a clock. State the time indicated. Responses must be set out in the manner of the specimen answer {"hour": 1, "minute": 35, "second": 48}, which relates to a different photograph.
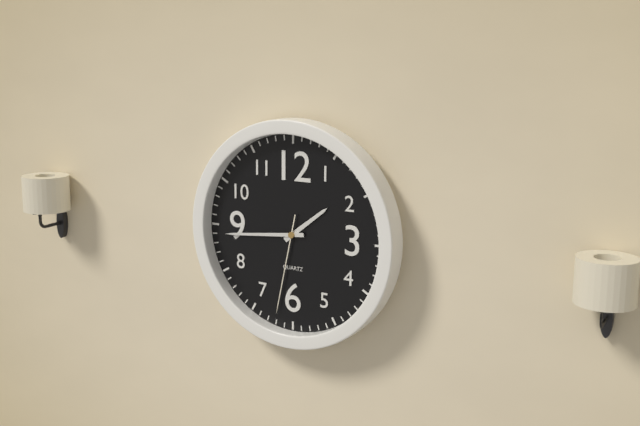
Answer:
{"hour": 1, "minute": 44, "second": 32}
